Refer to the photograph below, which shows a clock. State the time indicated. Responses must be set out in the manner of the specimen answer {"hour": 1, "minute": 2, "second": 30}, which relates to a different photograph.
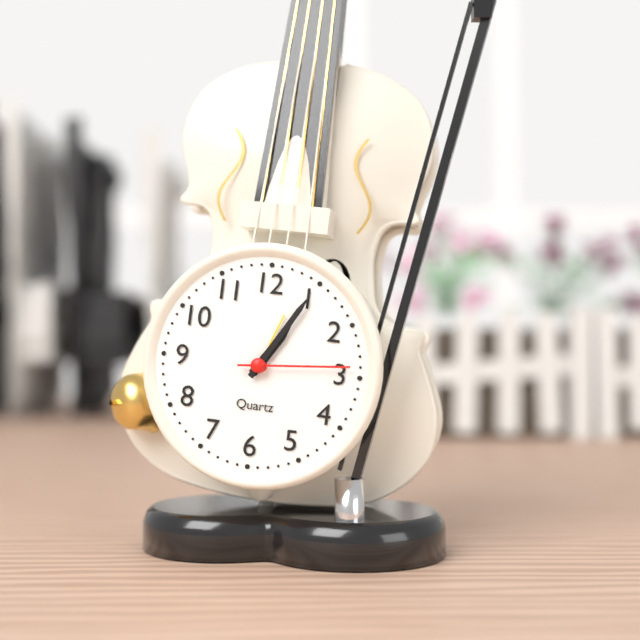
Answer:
{"hour": 1, "minute": 5, "second": 14}
